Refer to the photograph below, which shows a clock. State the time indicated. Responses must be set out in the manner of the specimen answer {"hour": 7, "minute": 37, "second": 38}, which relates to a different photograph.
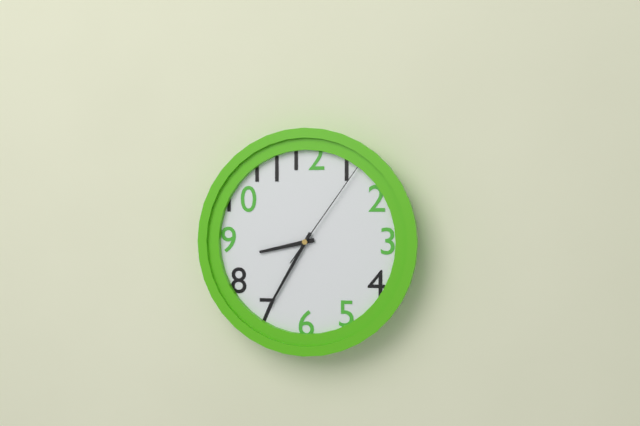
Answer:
{"hour": 8, "minute": 35, "second": 6}
